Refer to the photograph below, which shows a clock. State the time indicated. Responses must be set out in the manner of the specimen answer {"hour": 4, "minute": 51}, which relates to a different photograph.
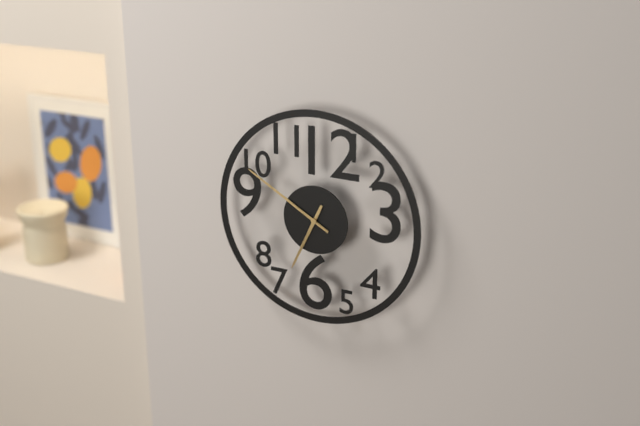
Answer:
{"hour": 6, "minute": 50}
